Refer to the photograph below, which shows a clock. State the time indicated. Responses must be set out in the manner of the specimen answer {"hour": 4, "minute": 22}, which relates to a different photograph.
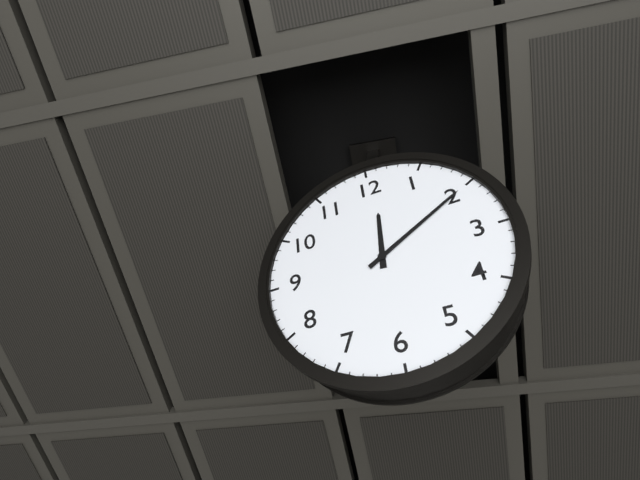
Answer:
{"hour": 12, "minute": 10}
